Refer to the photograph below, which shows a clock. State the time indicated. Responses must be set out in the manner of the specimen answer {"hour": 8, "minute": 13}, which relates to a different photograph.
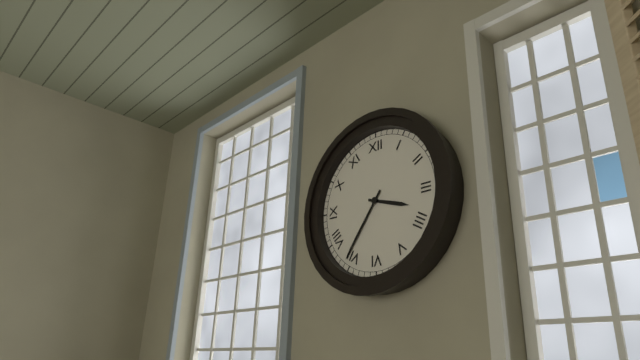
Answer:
{"hour": 3, "minute": 36}
